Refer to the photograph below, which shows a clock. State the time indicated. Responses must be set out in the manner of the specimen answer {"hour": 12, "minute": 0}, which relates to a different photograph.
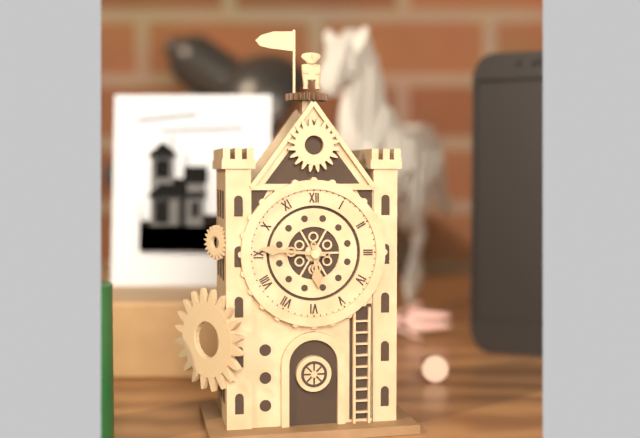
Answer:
{"hour": 5, "minute": 46}
